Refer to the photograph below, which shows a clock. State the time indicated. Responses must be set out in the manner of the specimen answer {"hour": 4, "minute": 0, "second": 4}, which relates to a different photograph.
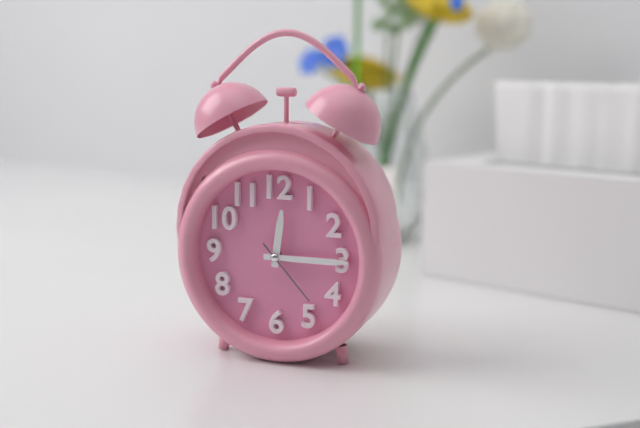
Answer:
{"hour": 12, "minute": 15, "second": 23}
